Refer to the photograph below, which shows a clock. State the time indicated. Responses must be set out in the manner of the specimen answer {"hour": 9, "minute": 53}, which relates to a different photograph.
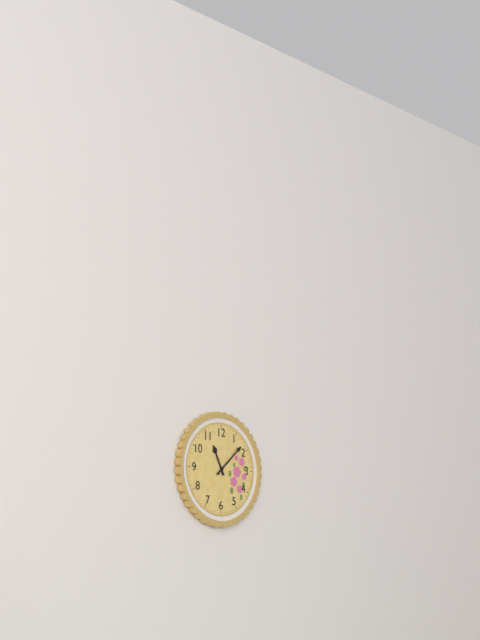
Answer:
{"hour": 11, "minute": 8}
